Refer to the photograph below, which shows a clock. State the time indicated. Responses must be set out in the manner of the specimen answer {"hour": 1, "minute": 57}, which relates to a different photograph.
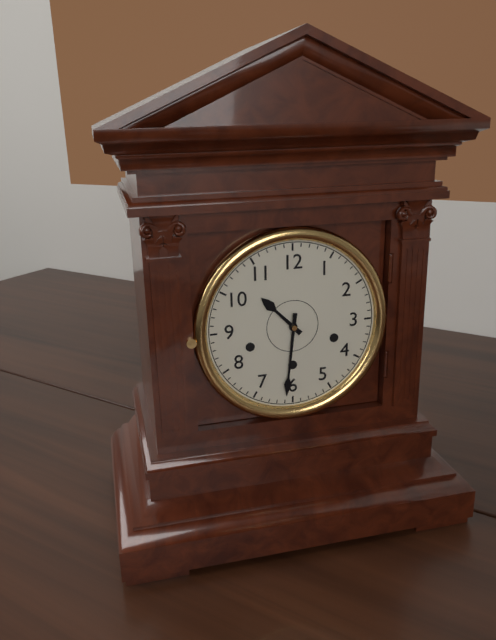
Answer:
{"hour": 10, "minute": 31}
